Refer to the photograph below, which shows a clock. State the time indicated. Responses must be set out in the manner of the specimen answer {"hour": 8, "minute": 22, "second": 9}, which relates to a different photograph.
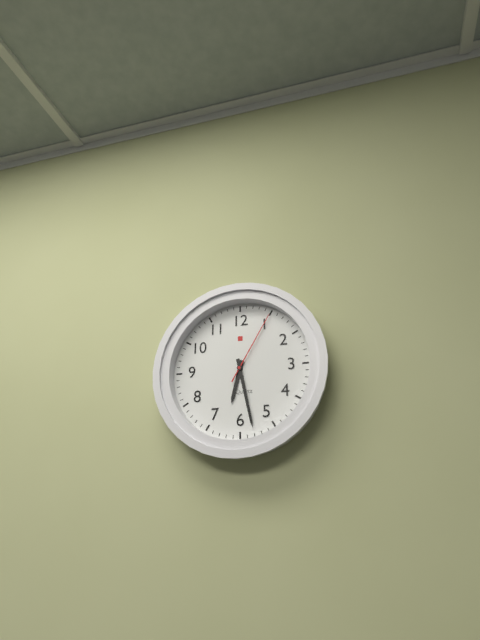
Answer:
{"hour": 6, "minute": 28, "second": 5}
